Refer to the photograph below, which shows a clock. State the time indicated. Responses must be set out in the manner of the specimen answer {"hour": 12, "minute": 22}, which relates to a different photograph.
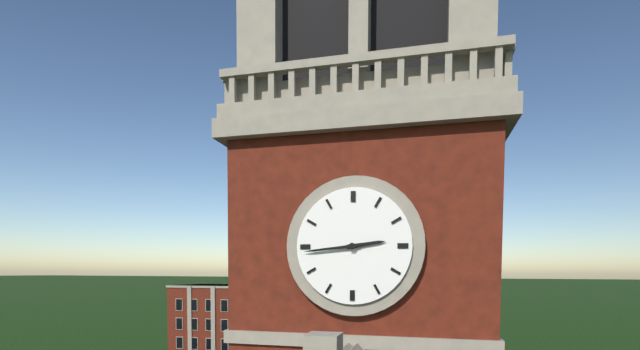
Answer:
{"hour": 2, "minute": 44}
